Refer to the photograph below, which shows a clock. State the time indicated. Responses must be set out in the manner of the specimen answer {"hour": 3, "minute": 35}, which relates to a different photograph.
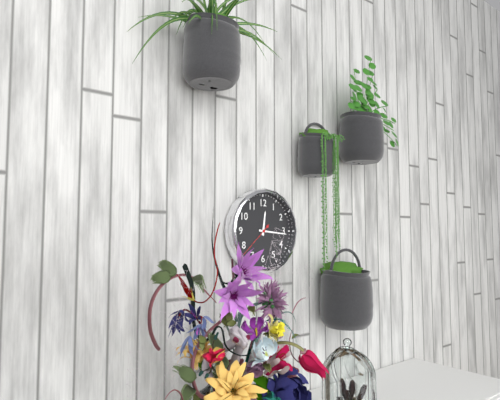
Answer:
{"hour": 12, "minute": 16}
